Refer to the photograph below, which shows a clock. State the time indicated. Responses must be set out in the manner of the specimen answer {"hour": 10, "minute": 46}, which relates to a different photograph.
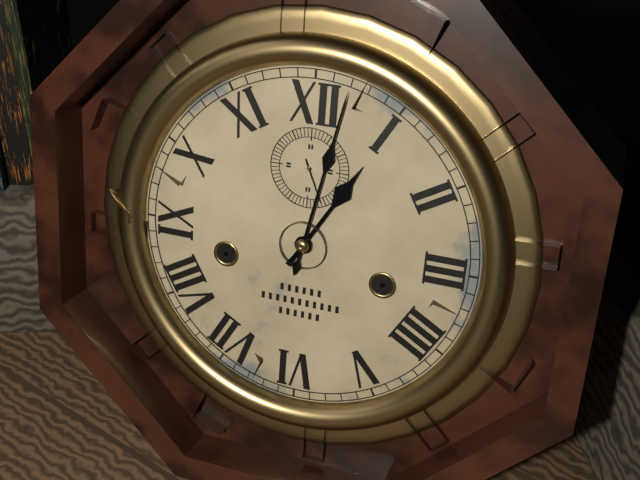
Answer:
{"hour": 1, "minute": 2}
